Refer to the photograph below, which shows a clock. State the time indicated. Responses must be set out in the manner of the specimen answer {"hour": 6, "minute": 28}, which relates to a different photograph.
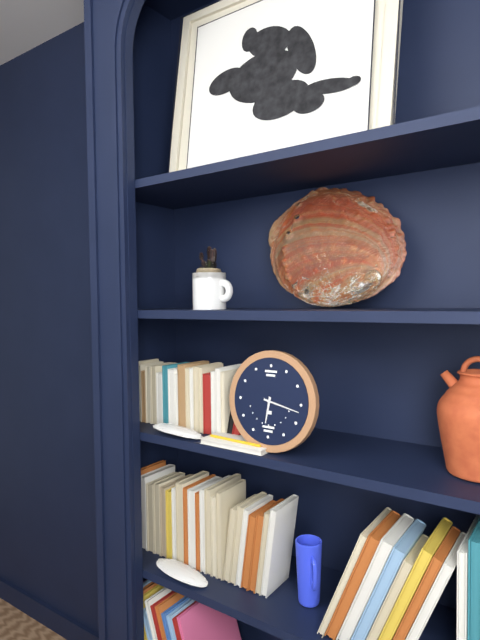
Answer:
{"hour": 6, "minute": 17}
